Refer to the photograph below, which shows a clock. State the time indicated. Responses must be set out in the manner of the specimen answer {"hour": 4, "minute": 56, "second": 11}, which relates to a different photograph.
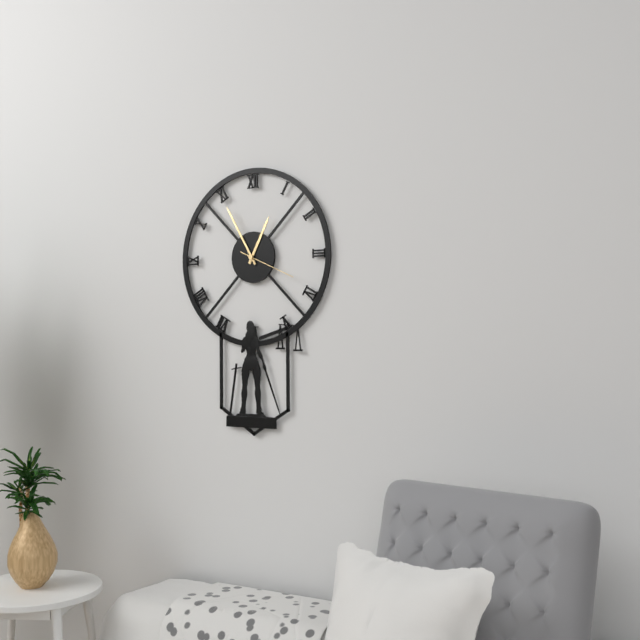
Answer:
{"hour": 12, "minute": 55, "second": 19}
